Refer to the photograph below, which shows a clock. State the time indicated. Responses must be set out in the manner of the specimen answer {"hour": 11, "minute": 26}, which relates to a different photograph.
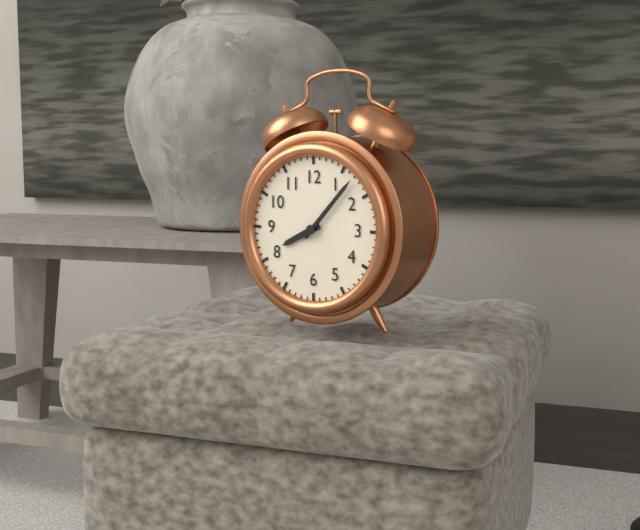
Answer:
{"hour": 8, "minute": 7}
